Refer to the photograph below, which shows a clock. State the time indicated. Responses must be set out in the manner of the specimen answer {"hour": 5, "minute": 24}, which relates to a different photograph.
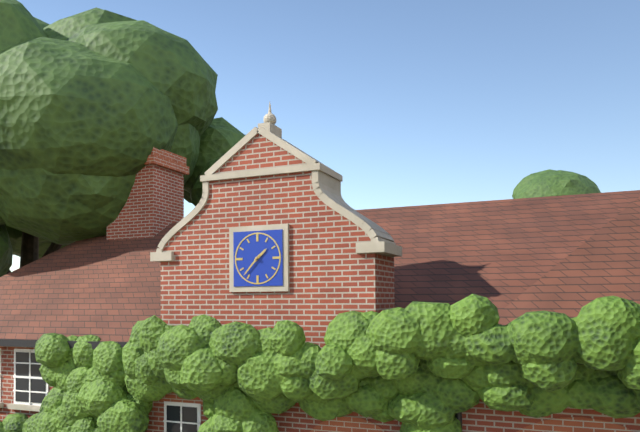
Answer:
{"hour": 1, "minute": 37}
